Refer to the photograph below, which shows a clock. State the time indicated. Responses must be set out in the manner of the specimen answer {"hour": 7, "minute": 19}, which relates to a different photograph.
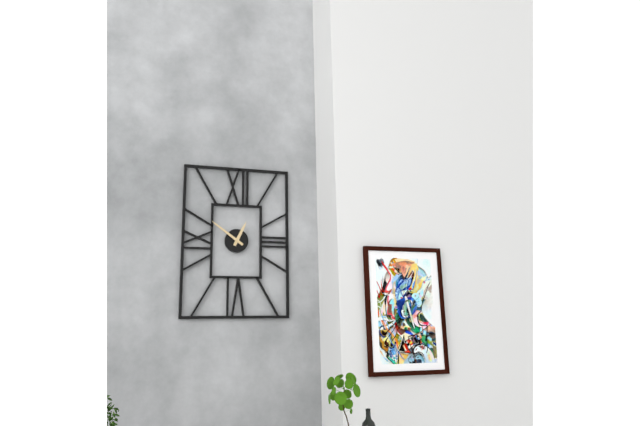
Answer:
{"hour": 12, "minute": 51}
